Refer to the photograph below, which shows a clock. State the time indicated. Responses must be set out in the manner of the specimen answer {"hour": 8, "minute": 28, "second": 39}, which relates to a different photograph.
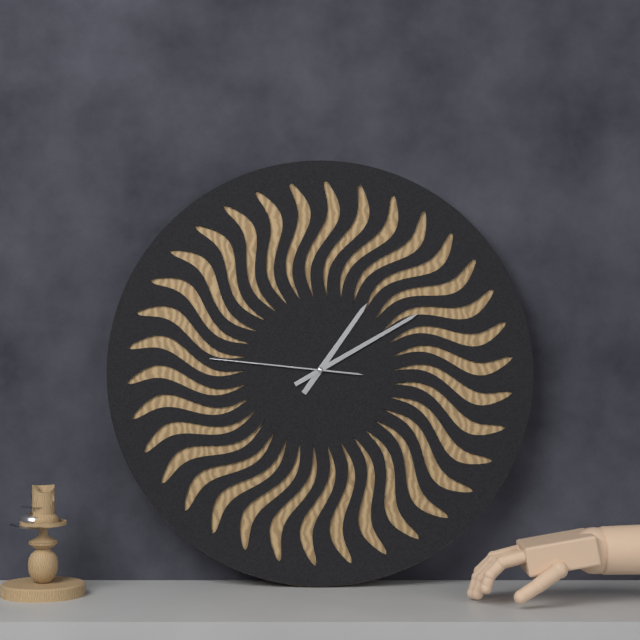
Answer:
{"hour": 1, "minute": 10, "second": 46}
